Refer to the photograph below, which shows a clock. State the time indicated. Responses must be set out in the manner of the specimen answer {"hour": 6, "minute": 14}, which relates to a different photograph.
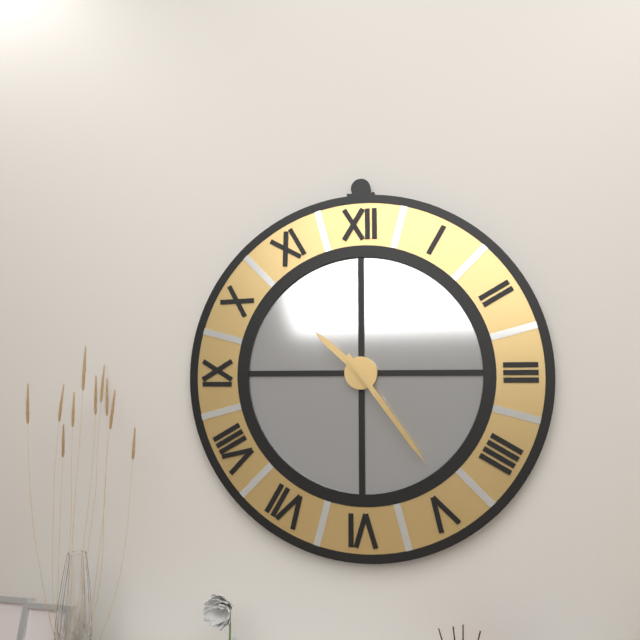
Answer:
{"hour": 10, "minute": 24}
